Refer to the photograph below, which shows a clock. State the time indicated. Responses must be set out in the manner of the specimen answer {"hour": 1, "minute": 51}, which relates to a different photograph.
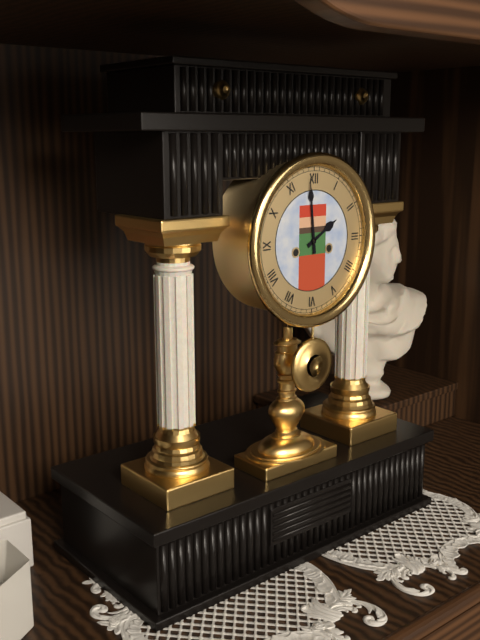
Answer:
{"hour": 1, "minute": 59}
